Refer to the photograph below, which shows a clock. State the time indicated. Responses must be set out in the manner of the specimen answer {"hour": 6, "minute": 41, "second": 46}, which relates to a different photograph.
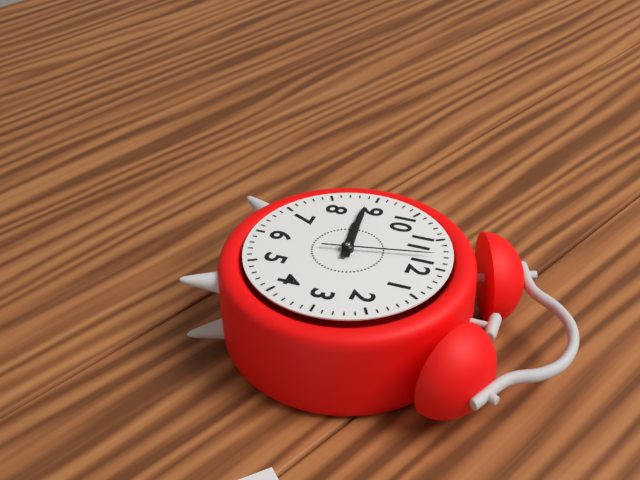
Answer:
{"hour": 8, "minute": 44, "second": 58}
